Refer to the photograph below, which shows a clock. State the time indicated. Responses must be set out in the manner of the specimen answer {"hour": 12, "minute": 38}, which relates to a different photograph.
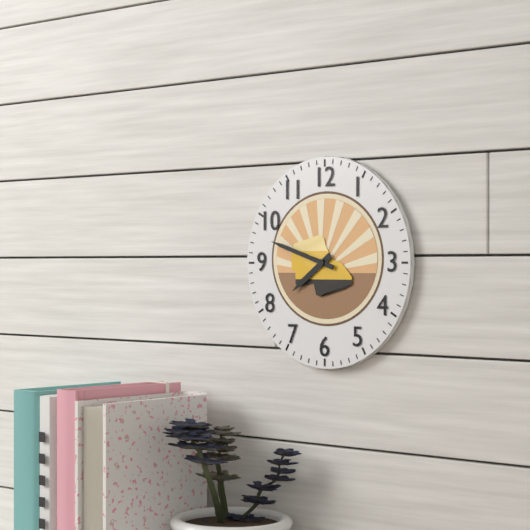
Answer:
{"hour": 7, "minute": 48}
